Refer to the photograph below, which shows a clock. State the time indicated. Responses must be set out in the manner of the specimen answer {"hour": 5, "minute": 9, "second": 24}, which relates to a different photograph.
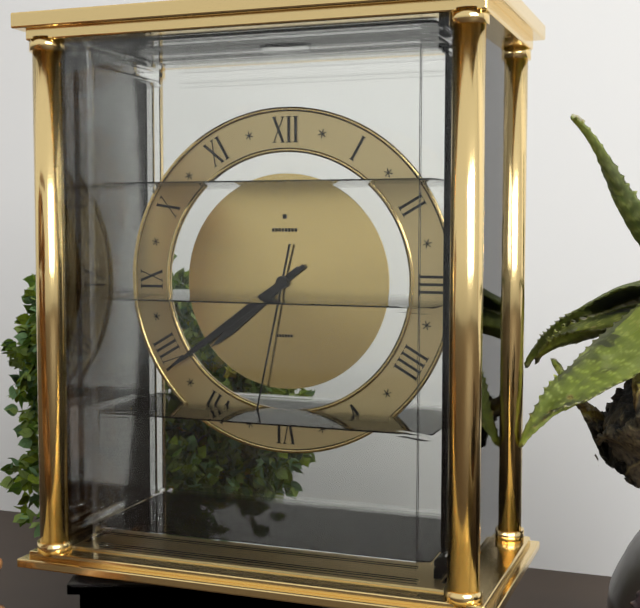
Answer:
{"hour": 7, "minute": 39, "second": 32}
